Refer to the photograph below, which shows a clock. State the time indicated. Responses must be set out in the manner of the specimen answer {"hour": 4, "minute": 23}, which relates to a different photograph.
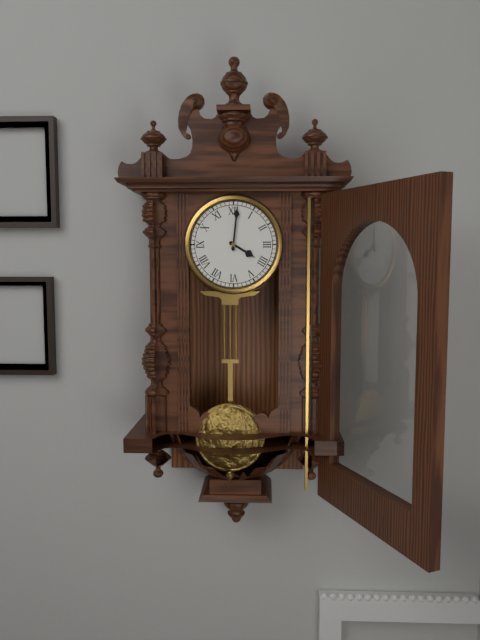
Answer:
{"hour": 4, "minute": 1}
